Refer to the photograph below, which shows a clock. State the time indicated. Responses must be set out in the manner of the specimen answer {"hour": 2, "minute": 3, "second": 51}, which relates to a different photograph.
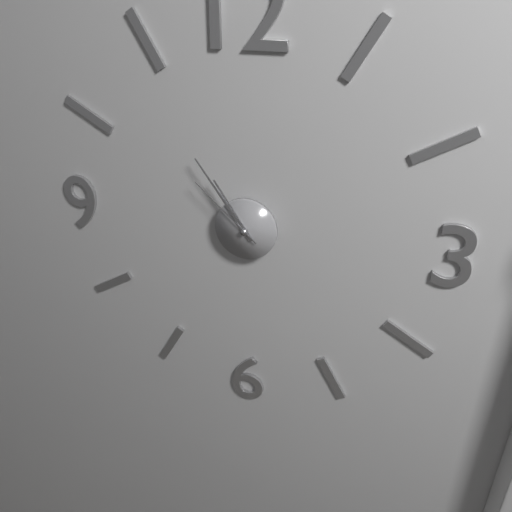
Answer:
{"hour": 10, "minute": 54, "second": 52}
